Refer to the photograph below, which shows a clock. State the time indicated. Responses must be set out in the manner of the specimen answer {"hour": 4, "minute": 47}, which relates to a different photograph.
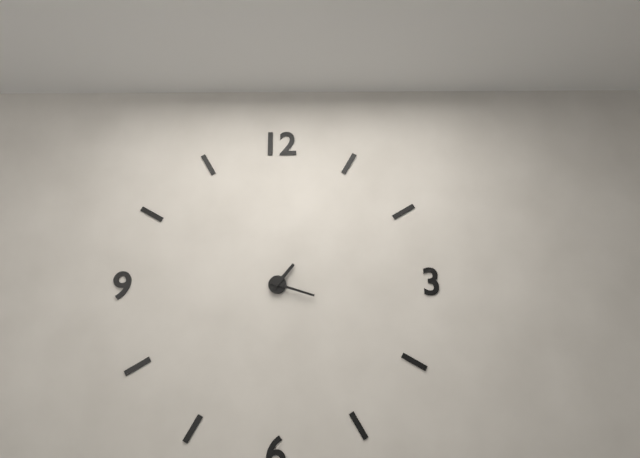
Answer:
{"hour": 1, "minute": 18}
